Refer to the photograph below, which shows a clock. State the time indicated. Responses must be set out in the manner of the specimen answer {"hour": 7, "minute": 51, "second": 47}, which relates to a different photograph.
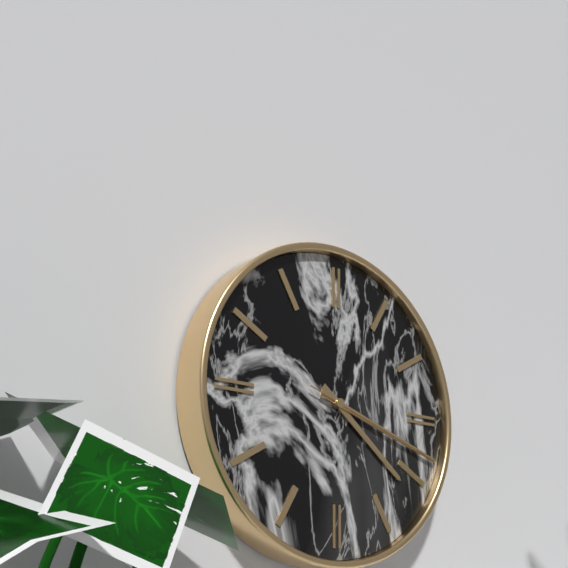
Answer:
{"hour": 4, "minute": 18, "second": 18}
